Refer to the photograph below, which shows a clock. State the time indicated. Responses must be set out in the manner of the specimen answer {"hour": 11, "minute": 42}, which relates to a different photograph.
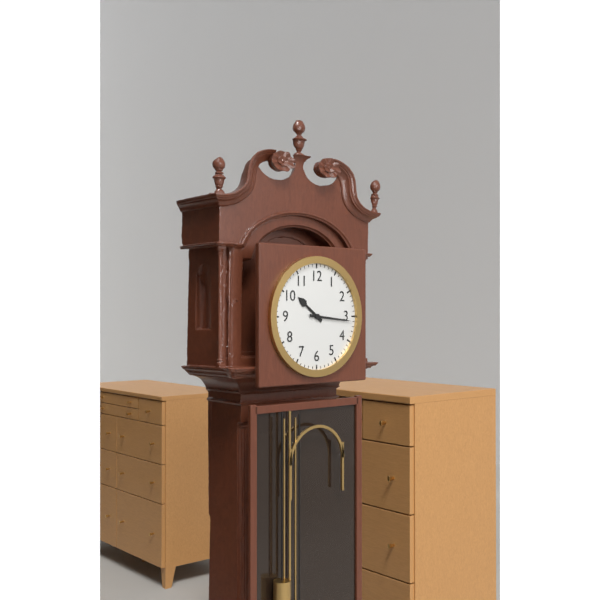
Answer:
{"hour": 10, "minute": 16}
